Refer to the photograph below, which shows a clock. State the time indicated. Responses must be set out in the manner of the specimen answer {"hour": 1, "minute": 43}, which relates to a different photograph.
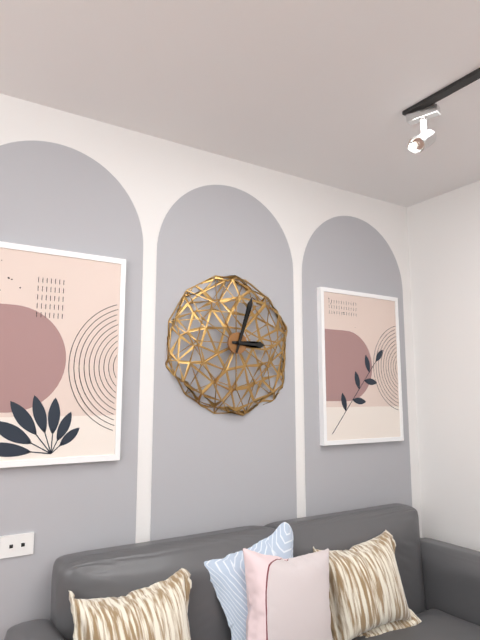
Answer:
{"hour": 3, "minute": 3}
